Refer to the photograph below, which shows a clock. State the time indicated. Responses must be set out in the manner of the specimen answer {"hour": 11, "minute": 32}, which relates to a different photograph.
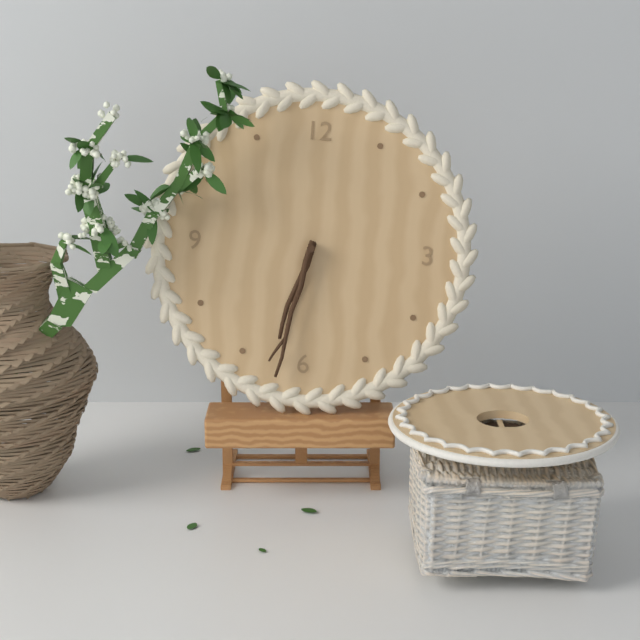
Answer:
{"hour": 6, "minute": 32}
